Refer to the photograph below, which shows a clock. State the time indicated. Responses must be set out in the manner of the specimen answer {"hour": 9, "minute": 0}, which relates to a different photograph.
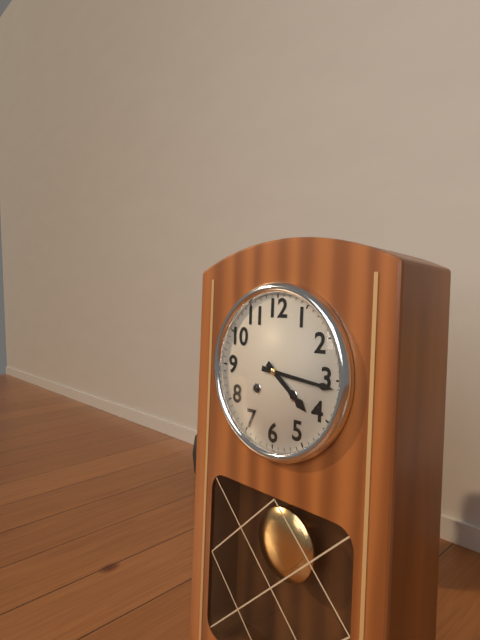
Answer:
{"hour": 4, "minute": 16}
